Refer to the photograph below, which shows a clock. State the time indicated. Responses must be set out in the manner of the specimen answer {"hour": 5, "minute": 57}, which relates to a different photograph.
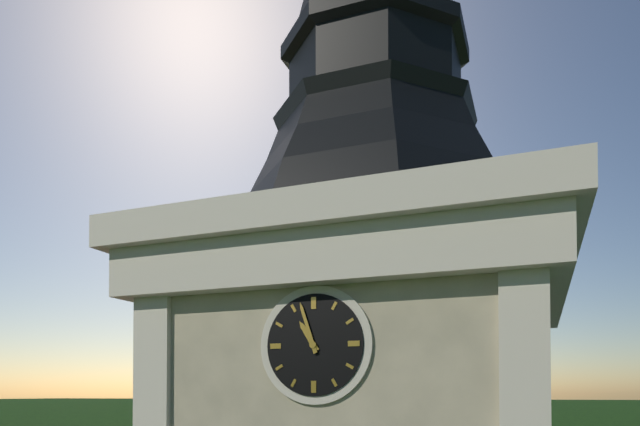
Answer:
{"hour": 10, "minute": 57}
